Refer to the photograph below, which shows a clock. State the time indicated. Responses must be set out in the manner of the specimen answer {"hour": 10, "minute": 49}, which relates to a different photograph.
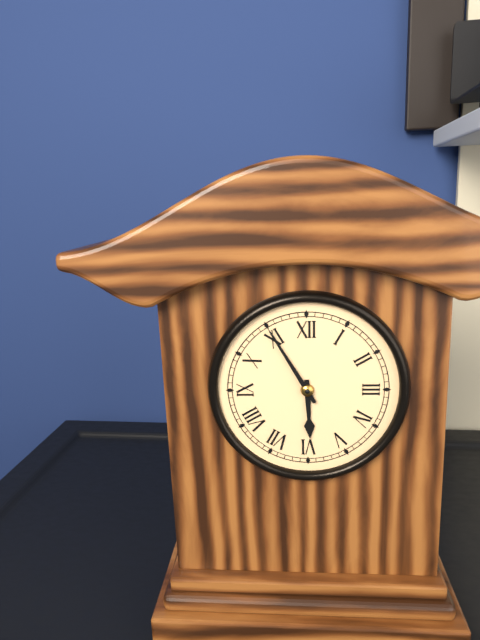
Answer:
{"hour": 5, "minute": 55}
